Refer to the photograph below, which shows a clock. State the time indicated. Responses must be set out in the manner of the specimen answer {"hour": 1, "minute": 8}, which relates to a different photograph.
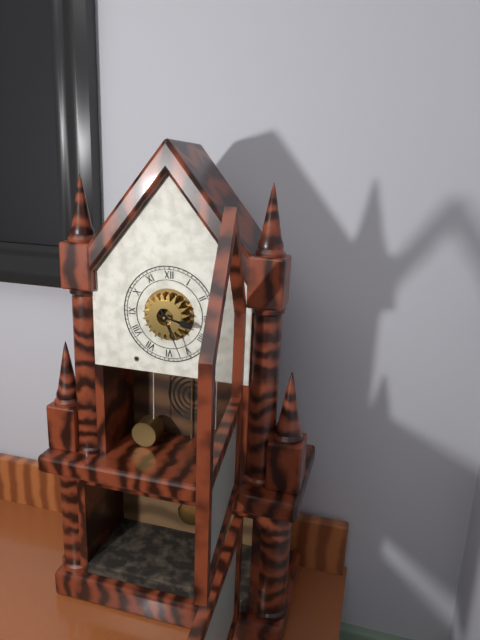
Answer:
{"hour": 3, "minute": 26}
